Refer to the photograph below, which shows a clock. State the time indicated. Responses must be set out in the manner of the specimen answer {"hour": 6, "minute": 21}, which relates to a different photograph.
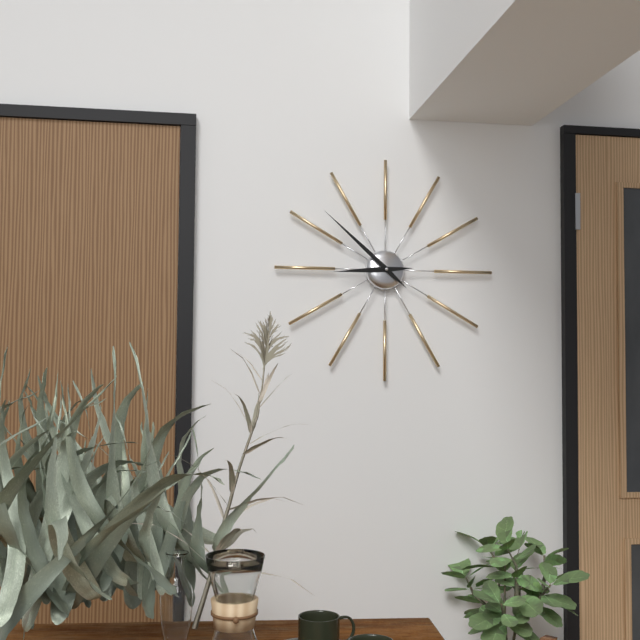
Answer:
{"hour": 8, "minute": 52}
